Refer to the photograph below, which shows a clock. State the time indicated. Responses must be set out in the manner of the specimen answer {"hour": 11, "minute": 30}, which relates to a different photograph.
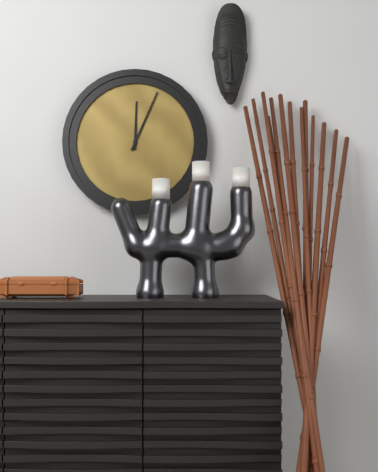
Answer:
{"hour": 12, "minute": 4}
